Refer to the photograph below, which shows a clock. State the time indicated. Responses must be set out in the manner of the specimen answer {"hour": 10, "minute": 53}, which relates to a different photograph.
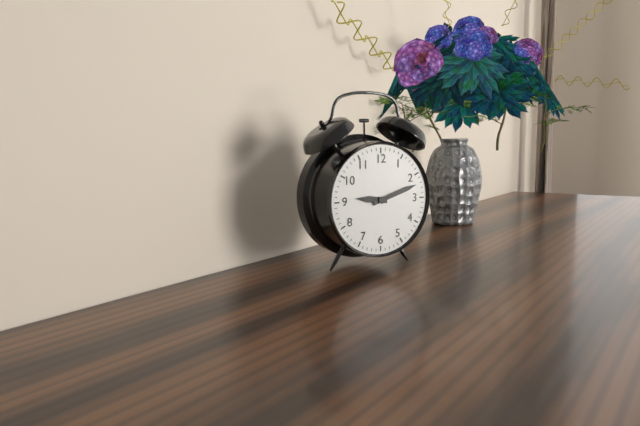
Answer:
{"hour": 9, "minute": 12}
